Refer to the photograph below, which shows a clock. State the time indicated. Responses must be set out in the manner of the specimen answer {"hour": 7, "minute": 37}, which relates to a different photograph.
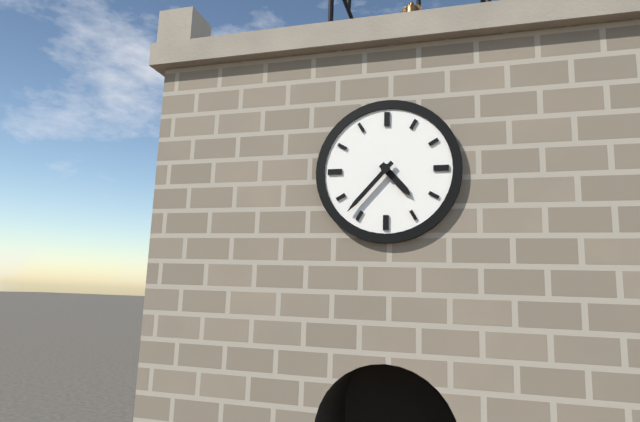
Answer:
{"hour": 4, "minute": 37}
